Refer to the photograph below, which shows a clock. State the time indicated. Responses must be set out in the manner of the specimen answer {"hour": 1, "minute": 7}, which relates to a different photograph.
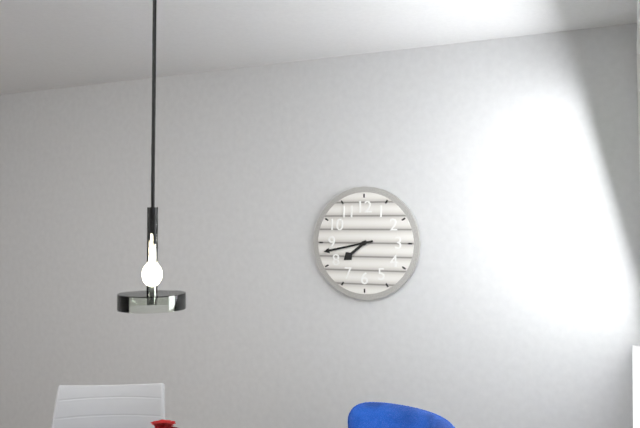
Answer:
{"hour": 7, "minute": 43}
